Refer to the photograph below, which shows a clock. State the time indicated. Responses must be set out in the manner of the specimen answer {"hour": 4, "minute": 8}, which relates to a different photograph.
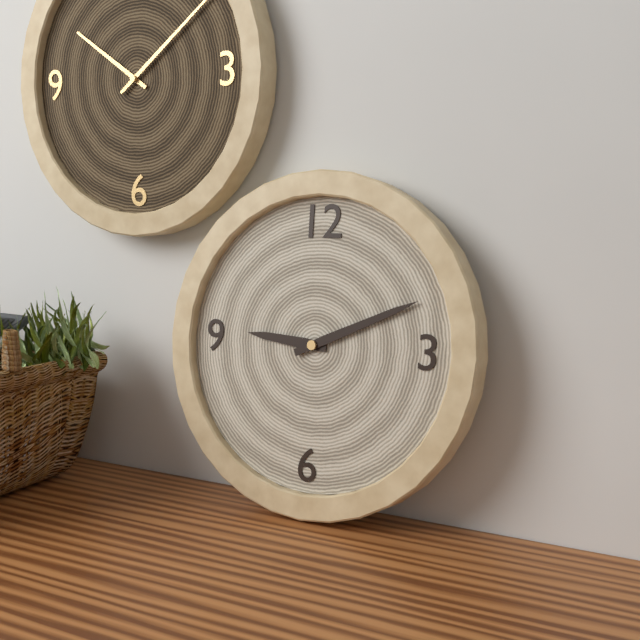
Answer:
{"hour": 9, "minute": 11}
